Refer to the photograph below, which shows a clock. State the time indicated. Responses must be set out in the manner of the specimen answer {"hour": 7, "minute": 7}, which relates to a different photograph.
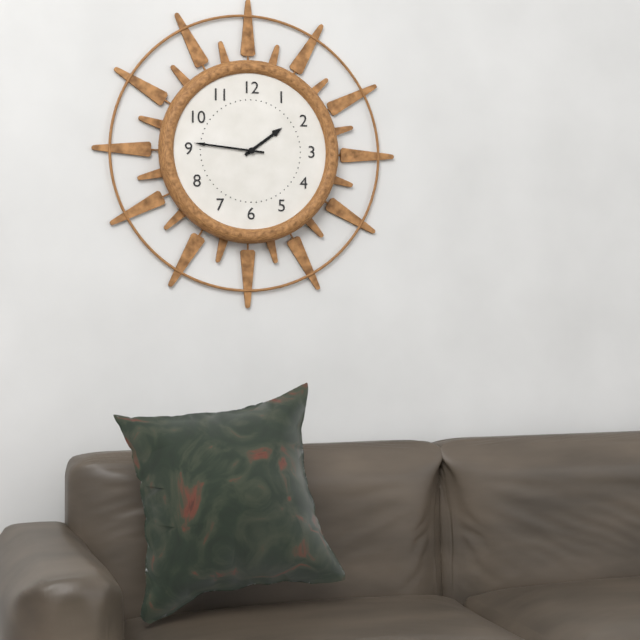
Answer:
{"hour": 1, "minute": 46}
